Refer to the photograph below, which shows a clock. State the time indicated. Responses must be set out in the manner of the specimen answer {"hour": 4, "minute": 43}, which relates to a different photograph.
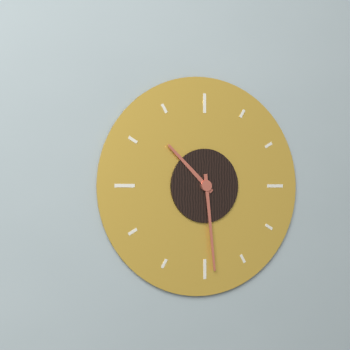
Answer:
{"hour": 10, "minute": 29}
